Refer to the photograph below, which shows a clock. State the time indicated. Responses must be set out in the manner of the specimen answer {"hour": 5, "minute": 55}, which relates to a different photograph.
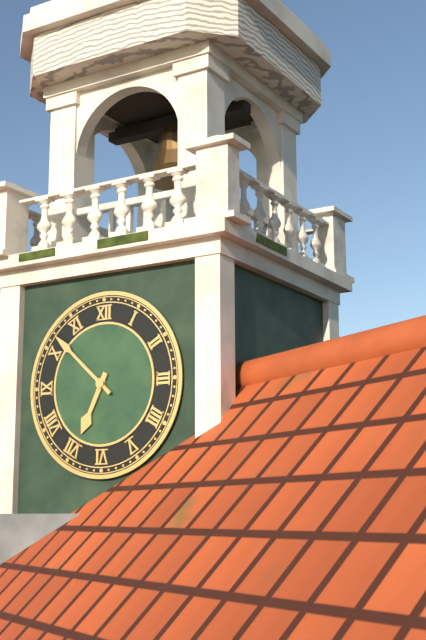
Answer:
{"hour": 6, "minute": 52}
